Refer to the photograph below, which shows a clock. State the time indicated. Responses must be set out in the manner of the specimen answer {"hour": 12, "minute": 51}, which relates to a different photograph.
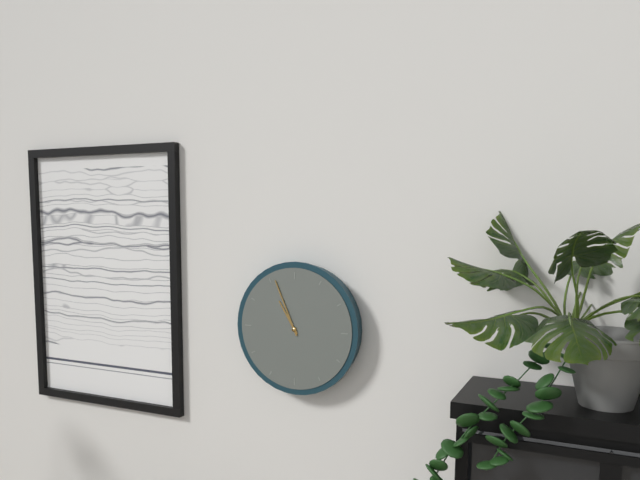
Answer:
{"hour": 10, "minute": 56}
